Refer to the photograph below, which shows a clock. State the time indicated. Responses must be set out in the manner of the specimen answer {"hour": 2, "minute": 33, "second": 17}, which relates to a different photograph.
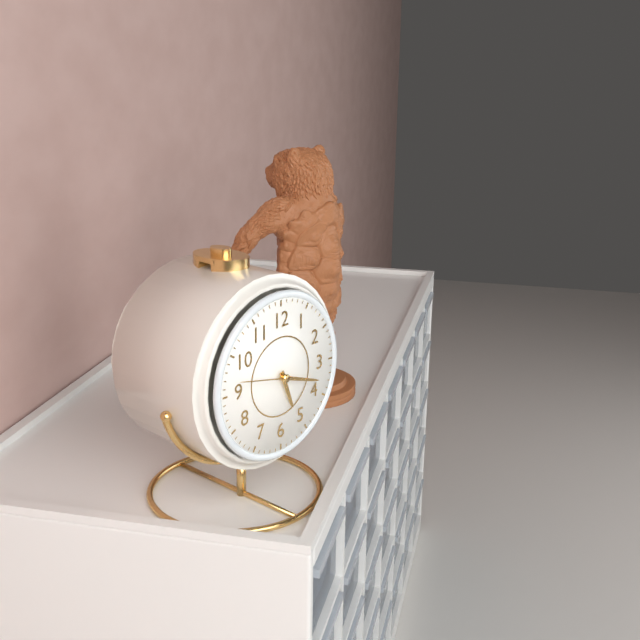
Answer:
{"hour": 5, "minute": 18, "second": 47}
